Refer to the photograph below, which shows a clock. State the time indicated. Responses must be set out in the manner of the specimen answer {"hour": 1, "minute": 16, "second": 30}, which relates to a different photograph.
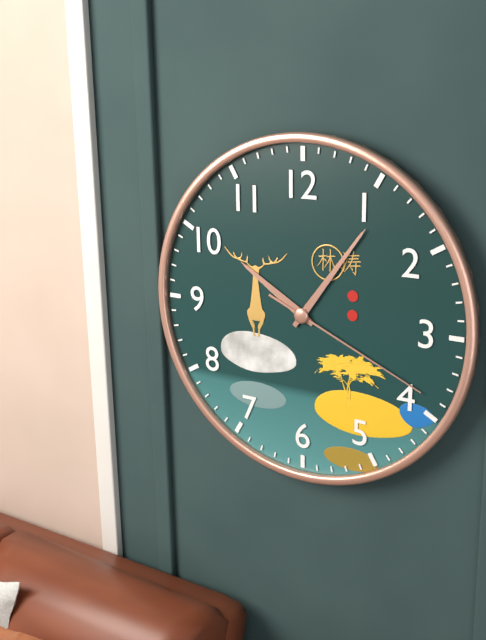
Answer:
{"hour": 10, "minute": 6, "second": 19}
